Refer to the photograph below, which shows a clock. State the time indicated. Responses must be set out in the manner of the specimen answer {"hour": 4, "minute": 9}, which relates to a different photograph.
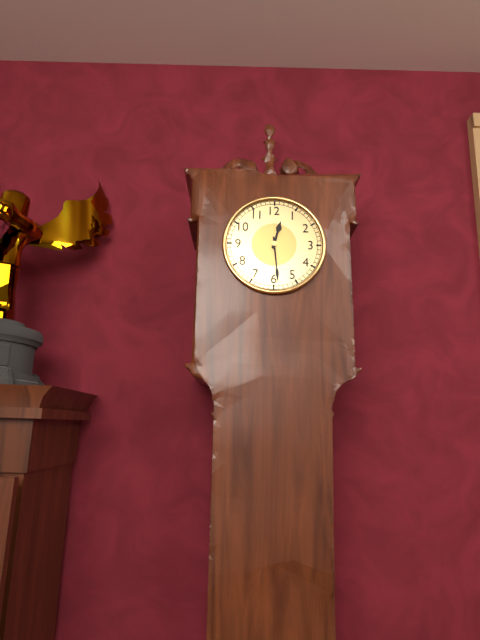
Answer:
{"hour": 12, "minute": 29}
